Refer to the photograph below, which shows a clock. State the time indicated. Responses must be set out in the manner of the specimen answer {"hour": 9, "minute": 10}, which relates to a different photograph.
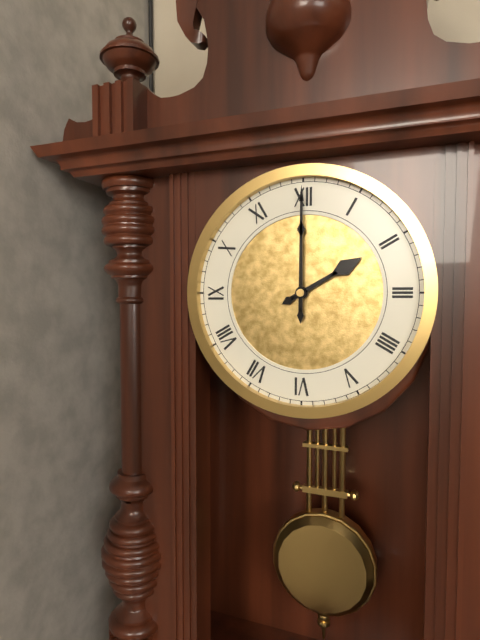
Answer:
{"hour": 2, "minute": 0}
